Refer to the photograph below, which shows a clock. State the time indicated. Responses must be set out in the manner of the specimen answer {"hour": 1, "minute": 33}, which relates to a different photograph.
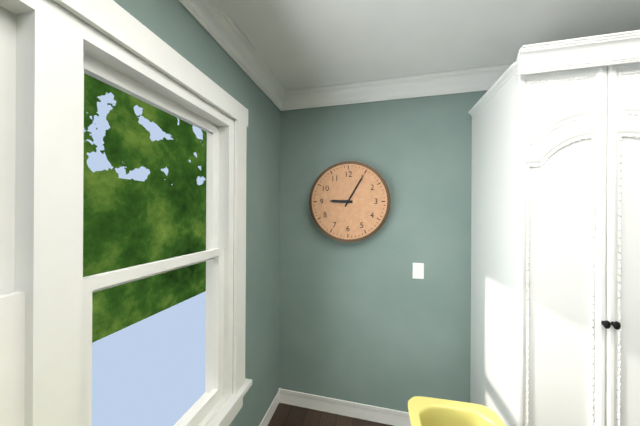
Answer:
{"hour": 9, "minute": 5}
